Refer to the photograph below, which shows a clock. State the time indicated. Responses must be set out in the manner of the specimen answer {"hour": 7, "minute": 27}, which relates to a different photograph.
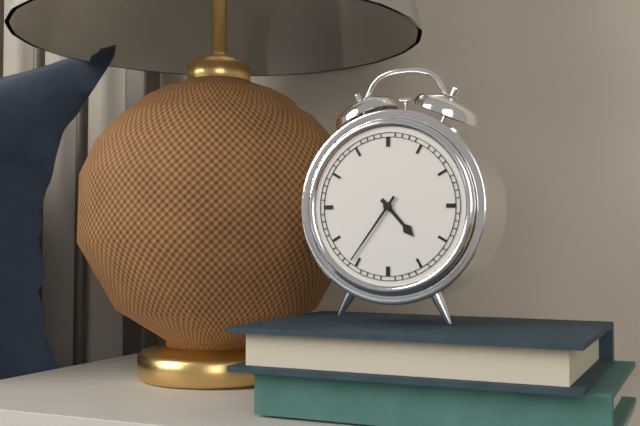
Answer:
{"hour": 4, "minute": 36}
